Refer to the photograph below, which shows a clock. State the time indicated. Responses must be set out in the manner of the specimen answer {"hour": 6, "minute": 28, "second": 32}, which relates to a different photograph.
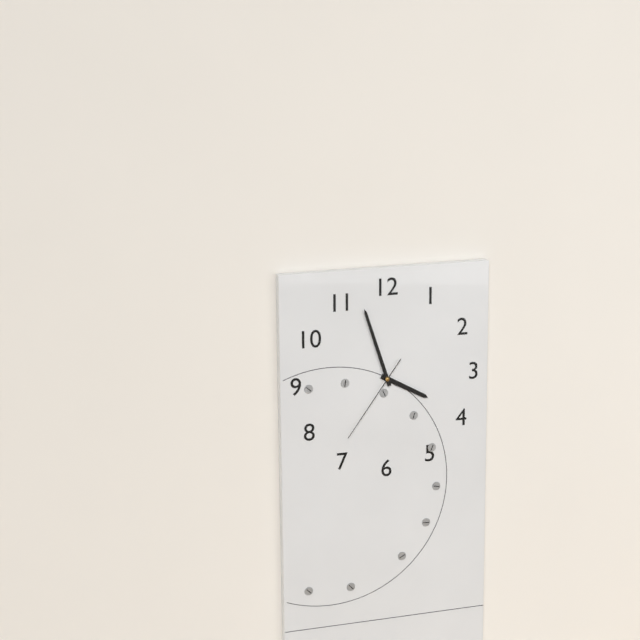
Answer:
{"hour": 3, "minute": 57, "second": 36}
